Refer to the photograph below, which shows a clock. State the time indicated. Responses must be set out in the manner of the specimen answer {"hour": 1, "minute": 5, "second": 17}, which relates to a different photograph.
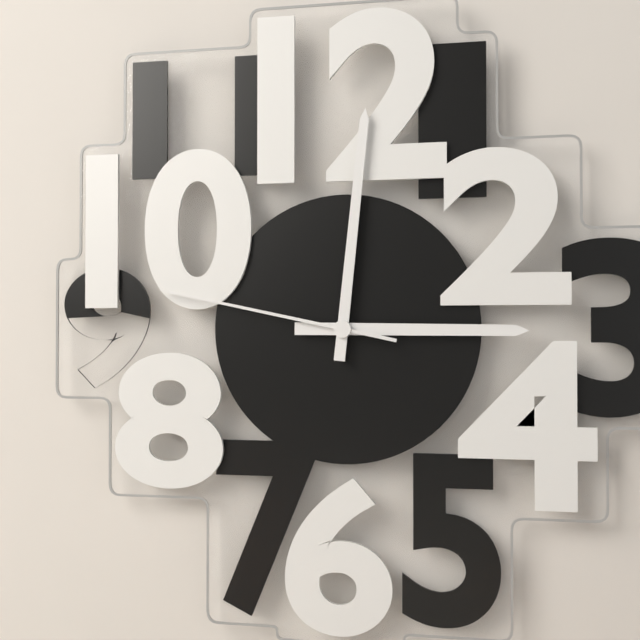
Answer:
{"hour": 3, "minute": 1, "second": 47}
